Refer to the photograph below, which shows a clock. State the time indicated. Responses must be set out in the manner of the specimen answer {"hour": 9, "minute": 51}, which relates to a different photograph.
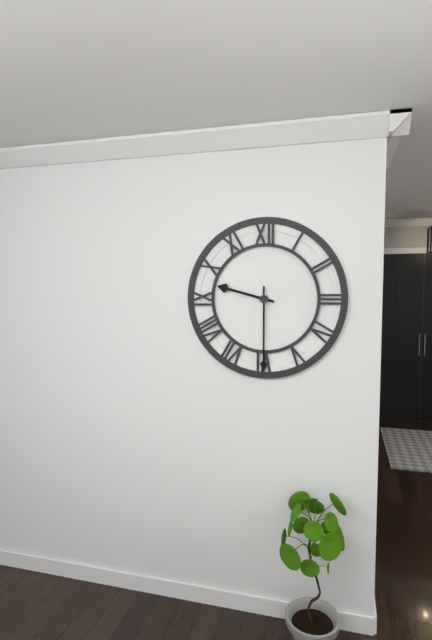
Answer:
{"hour": 9, "minute": 30}
